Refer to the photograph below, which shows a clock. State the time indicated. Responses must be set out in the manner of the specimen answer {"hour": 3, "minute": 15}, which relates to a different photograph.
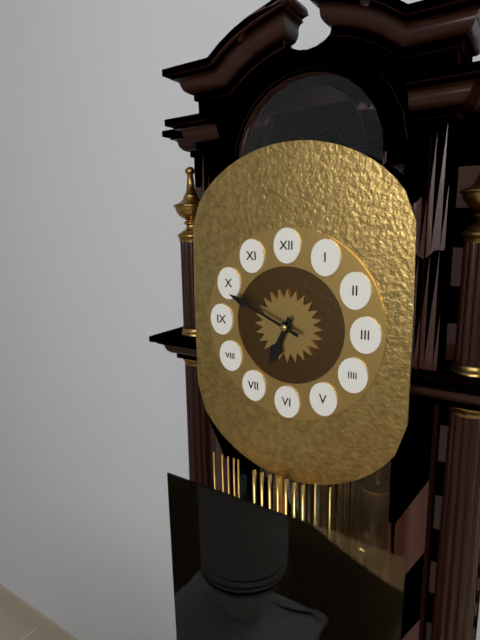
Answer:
{"hour": 6, "minute": 49}
